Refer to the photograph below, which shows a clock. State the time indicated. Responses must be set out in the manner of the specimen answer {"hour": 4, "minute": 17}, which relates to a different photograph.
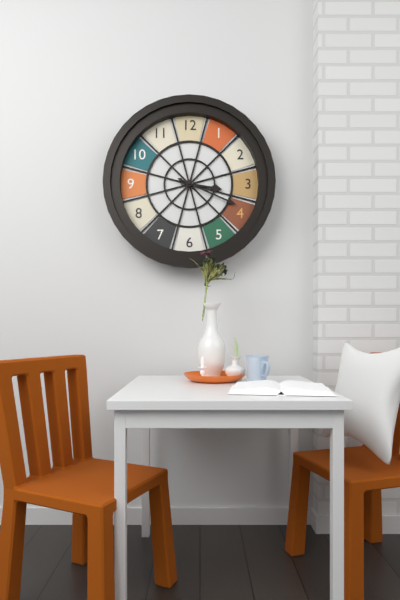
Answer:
{"hour": 3, "minute": 19}
